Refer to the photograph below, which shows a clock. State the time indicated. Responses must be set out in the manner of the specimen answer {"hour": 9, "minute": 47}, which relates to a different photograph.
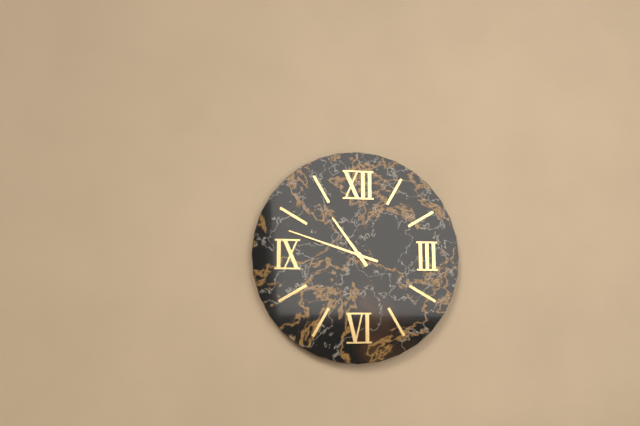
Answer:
{"hour": 10, "minute": 48}
